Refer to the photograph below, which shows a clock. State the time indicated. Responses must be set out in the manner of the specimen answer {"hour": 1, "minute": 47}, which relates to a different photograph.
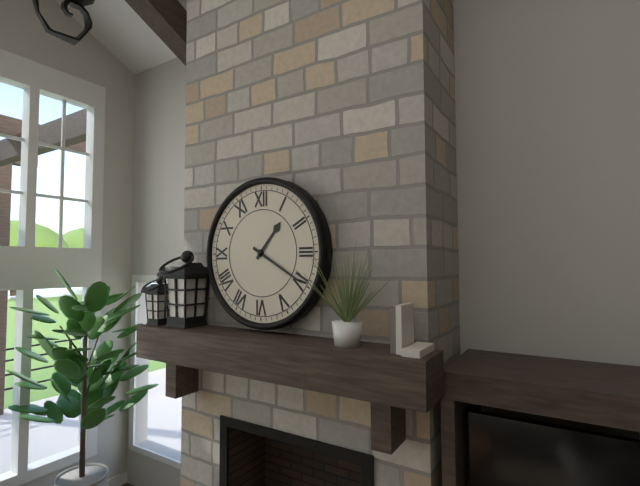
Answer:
{"hour": 1, "minute": 20}
